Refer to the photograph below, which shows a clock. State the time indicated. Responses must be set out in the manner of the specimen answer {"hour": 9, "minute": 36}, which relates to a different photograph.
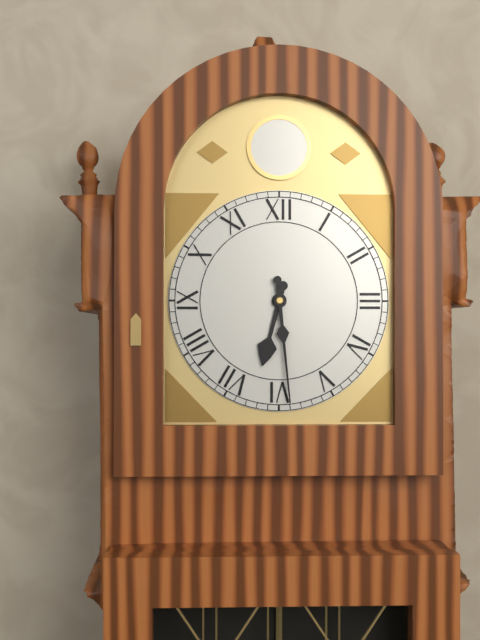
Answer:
{"hour": 6, "minute": 29}
